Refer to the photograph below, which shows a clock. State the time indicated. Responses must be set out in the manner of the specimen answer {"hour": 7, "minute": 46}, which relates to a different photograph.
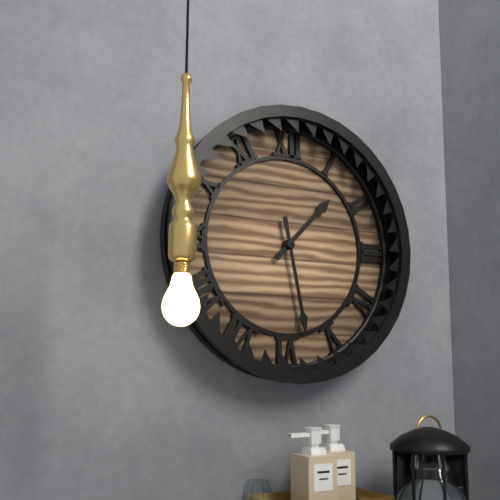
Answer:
{"hour": 1, "minute": 28}
